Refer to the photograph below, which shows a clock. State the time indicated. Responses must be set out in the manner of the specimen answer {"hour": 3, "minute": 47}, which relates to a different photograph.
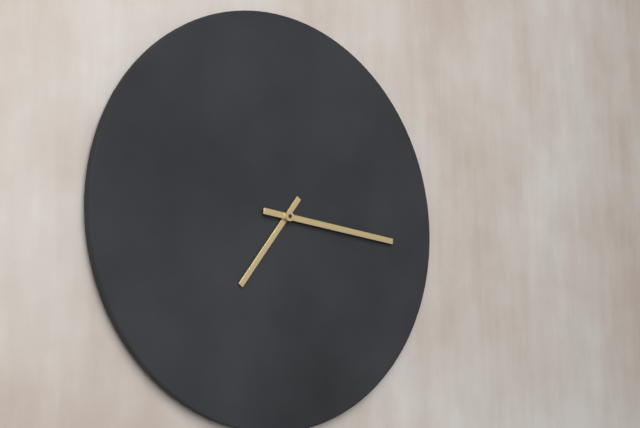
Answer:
{"hour": 7, "minute": 16}
